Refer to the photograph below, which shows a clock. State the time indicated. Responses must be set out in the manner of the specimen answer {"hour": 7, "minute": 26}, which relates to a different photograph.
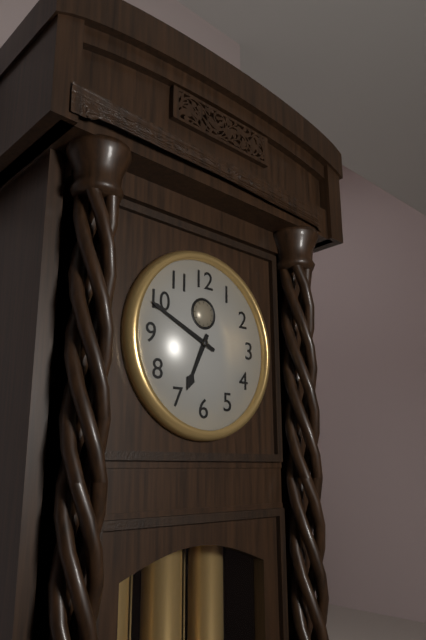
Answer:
{"hour": 6, "minute": 49}
